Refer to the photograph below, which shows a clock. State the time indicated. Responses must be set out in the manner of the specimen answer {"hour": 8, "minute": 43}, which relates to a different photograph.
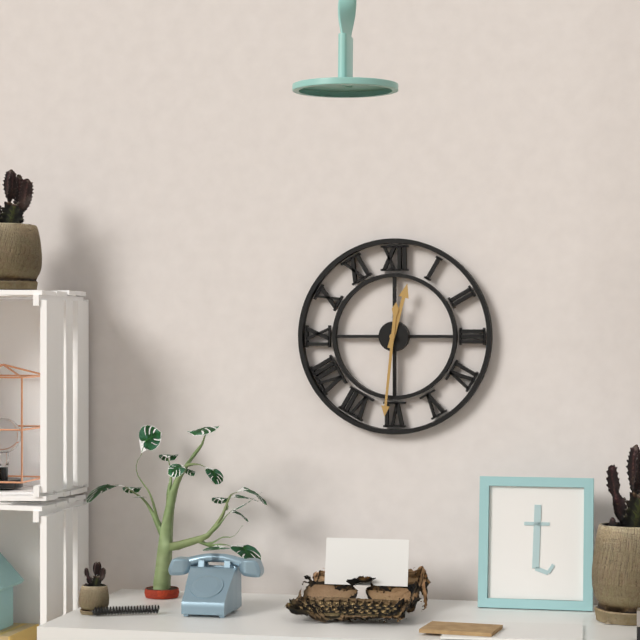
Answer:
{"hour": 12, "minute": 31}
